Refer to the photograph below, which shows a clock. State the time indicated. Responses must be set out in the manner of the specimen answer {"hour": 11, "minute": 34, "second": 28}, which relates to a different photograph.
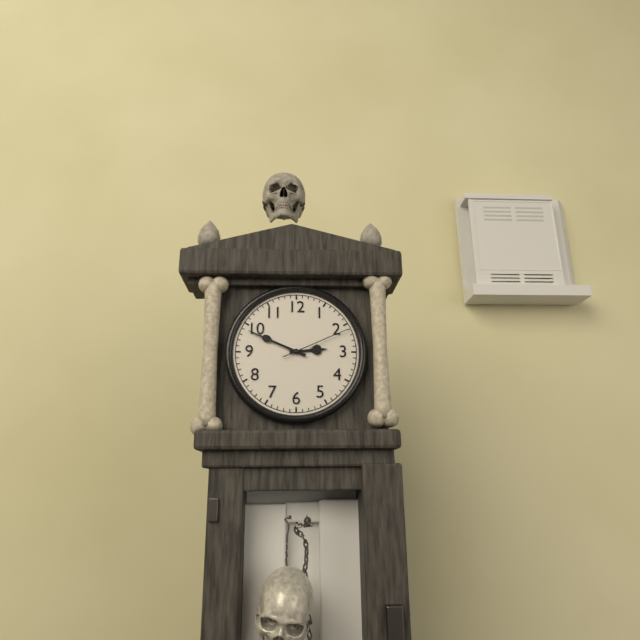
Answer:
{"hour": 2, "minute": 49, "second": 11}
